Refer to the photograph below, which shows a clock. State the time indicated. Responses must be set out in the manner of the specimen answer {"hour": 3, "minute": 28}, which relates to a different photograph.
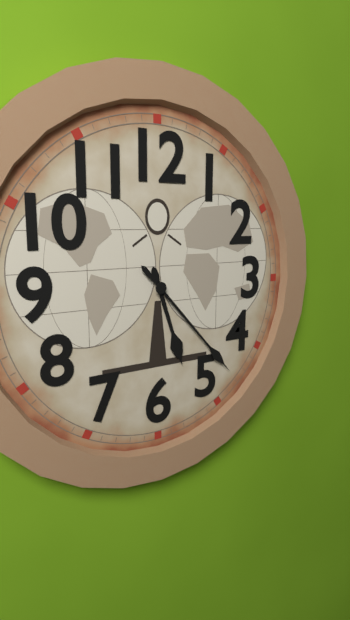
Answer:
{"hour": 5, "minute": 23}
